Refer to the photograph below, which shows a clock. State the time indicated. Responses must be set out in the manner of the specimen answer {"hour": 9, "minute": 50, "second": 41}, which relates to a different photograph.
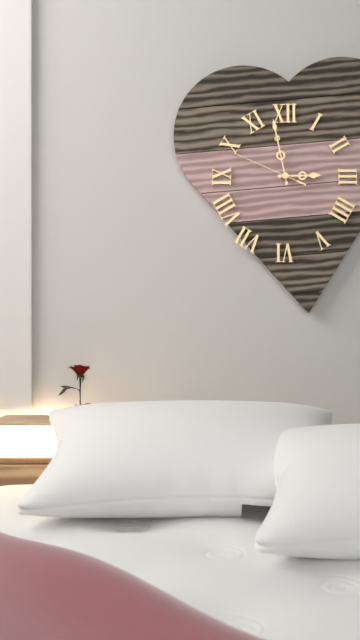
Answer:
{"hour": 2, "minute": 58, "second": 49}
